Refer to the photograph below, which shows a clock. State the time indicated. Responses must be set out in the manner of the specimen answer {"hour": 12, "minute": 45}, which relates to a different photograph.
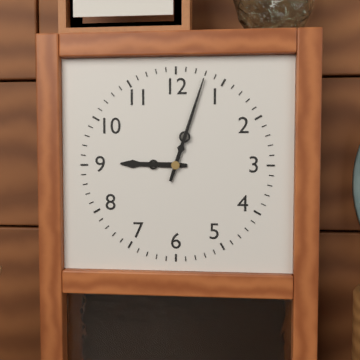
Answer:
{"hour": 9, "minute": 3}
